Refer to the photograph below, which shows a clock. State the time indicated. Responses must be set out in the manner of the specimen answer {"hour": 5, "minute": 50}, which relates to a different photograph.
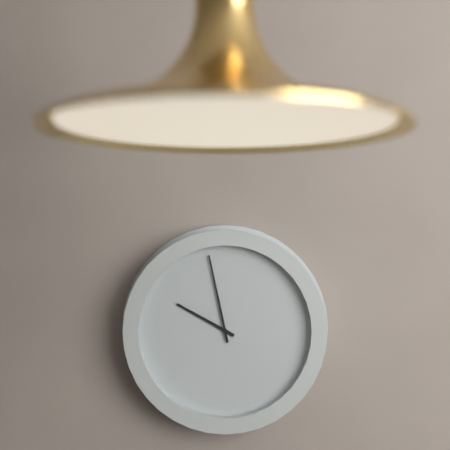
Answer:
{"hour": 9, "minute": 58}
